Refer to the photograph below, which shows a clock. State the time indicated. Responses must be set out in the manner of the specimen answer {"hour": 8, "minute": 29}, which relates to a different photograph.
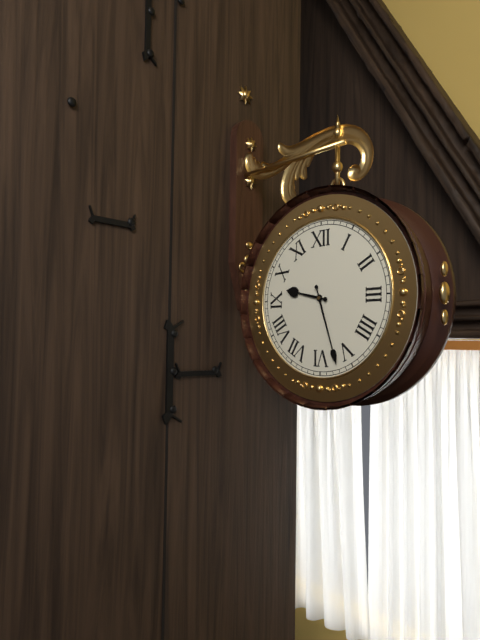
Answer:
{"hour": 9, "minute": 27}
